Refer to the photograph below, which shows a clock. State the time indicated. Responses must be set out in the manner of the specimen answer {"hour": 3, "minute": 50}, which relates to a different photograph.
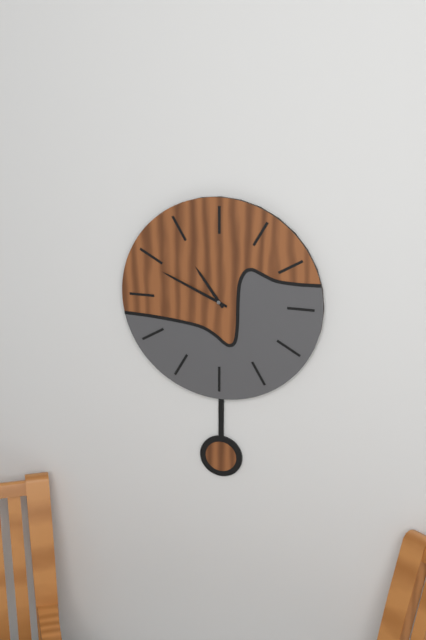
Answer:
{"hour": 10, "minute": 49}
